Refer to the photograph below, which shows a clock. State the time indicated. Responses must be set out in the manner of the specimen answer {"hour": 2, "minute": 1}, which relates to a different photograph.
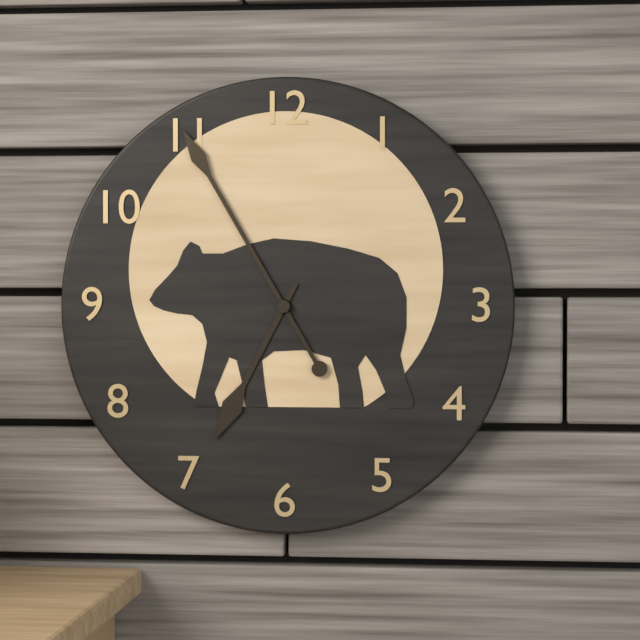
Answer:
{"hour": 6, "minute": 55}
